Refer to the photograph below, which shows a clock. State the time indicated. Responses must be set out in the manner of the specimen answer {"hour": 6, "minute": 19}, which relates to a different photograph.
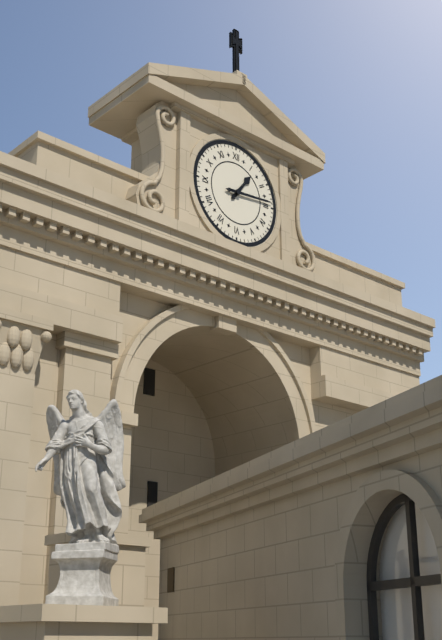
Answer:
{"hour": 1, "minute": 14}
